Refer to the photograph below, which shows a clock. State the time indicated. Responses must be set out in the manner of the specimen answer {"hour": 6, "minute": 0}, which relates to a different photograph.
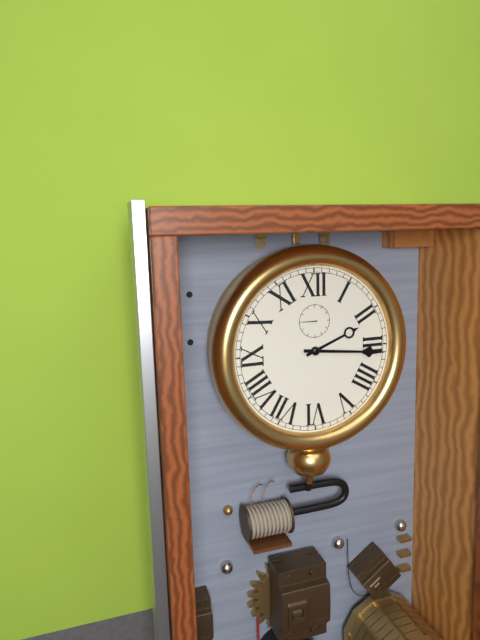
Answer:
{"hour": 2, "minute": 16}
